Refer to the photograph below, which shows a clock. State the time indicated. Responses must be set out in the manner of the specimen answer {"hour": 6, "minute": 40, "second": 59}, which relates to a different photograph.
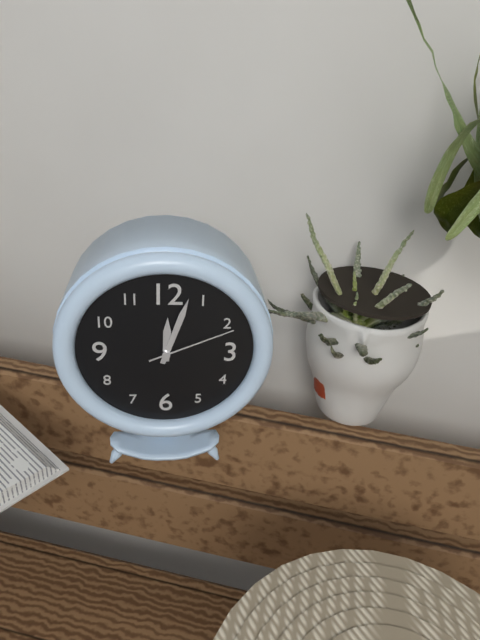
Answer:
{"hour": 12, "minute": 3, "second": 11}
